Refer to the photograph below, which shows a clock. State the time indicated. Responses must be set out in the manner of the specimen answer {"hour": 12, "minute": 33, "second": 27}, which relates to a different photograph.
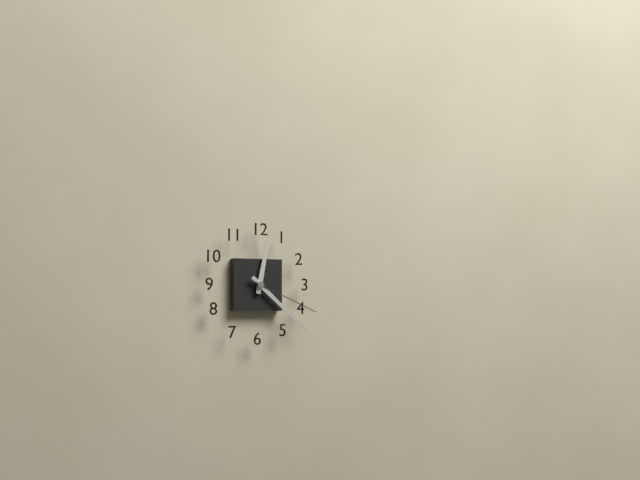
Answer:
{"hour": 12, "minute": 22, "second": 19}
